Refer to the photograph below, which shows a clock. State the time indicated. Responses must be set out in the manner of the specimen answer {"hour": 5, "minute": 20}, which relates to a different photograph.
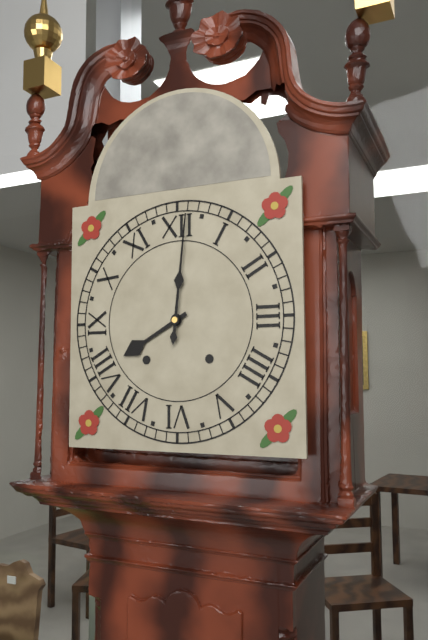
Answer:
{"hour": 8, "minute": 1}
